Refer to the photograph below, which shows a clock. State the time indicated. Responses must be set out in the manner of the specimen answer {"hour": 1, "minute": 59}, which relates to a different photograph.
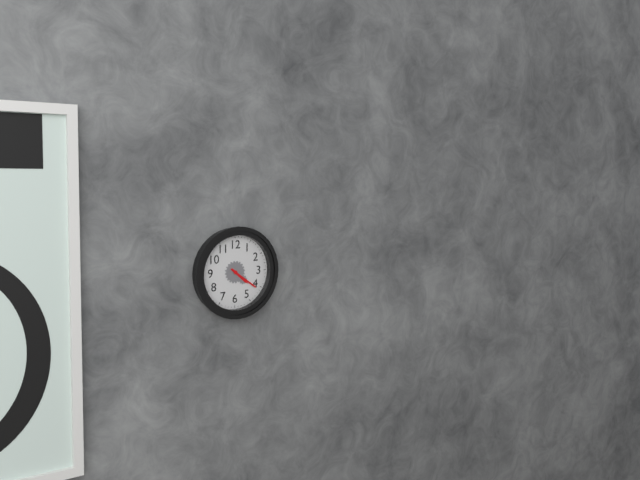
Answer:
{"hour": 4, "minute": 21}
